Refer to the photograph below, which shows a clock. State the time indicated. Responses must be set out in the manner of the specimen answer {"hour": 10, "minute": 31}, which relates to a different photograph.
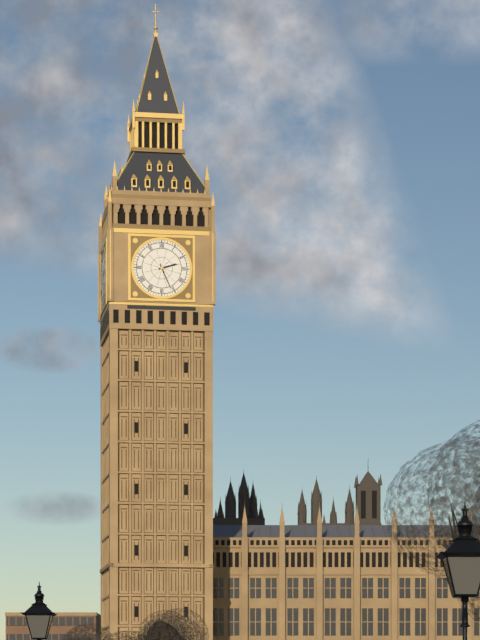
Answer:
{"hour": 2, "minute": 26}
